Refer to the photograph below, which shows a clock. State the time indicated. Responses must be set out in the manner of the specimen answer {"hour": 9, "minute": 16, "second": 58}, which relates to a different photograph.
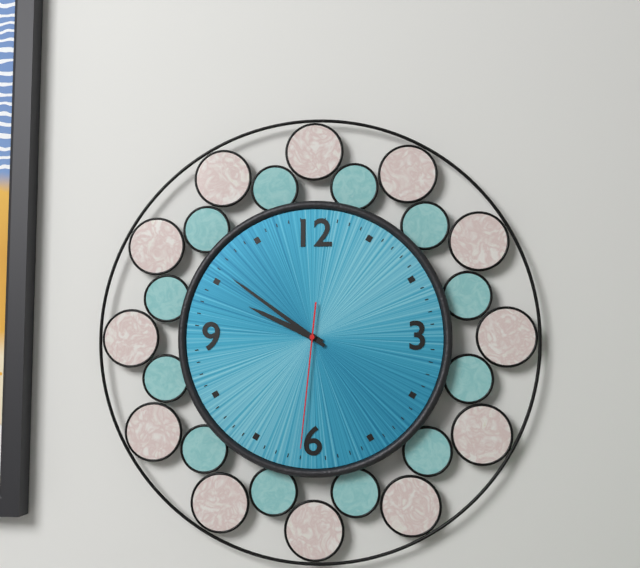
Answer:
{"hour": 9, "minute": 51, "second": 31}
